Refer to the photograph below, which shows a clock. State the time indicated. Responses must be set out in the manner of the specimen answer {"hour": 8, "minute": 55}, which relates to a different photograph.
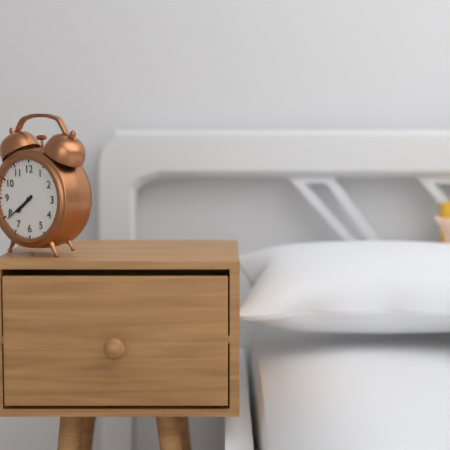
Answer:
{"hour": 7, "minute": 39}
